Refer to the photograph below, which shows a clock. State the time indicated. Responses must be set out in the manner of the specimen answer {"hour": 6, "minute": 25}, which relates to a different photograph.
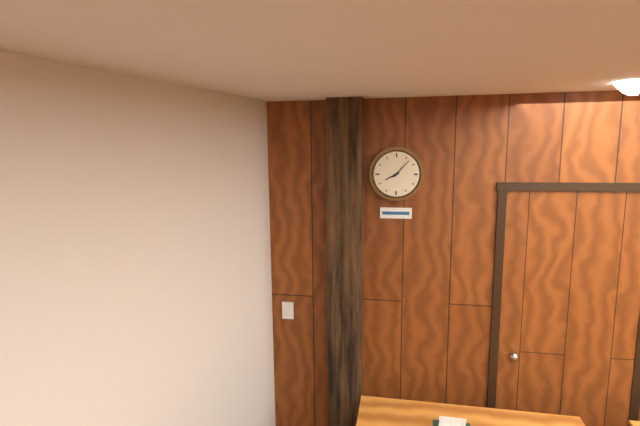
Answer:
{"hour": 8, "minute": 7}
